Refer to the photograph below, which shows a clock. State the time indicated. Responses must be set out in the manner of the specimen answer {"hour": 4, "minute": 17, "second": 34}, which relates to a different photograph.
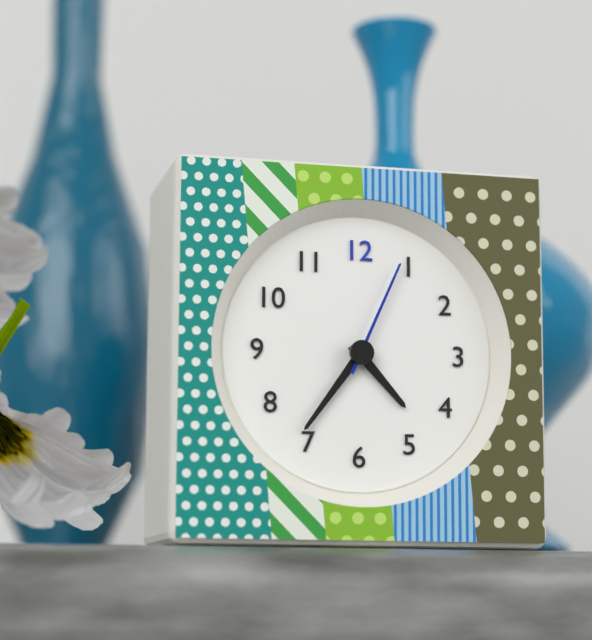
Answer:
{"hour": 4, "minute": 36, "second": 4}
